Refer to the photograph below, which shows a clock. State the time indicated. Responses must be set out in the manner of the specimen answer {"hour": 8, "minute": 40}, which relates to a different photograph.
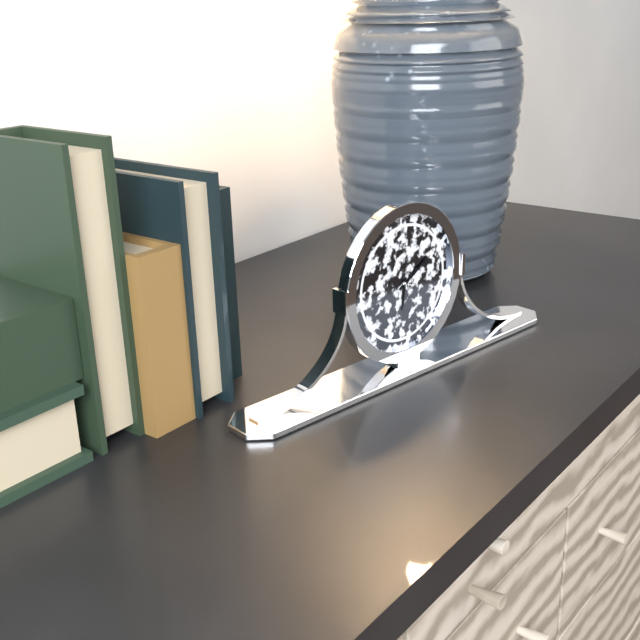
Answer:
{"hour": 6, "minute": 10}
